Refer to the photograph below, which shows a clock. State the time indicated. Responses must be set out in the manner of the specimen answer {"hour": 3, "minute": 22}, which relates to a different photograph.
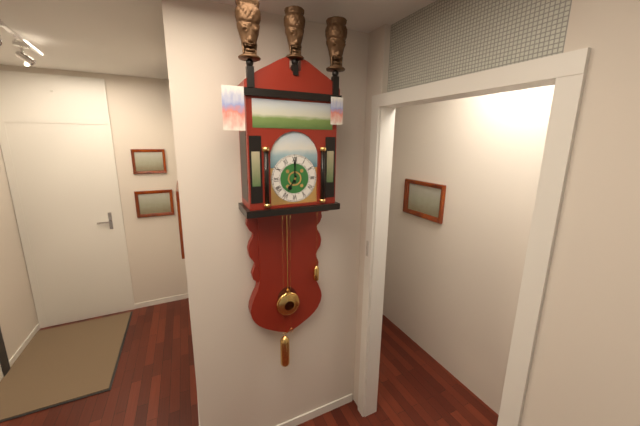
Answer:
{"hour": 7, "minute": 0}
